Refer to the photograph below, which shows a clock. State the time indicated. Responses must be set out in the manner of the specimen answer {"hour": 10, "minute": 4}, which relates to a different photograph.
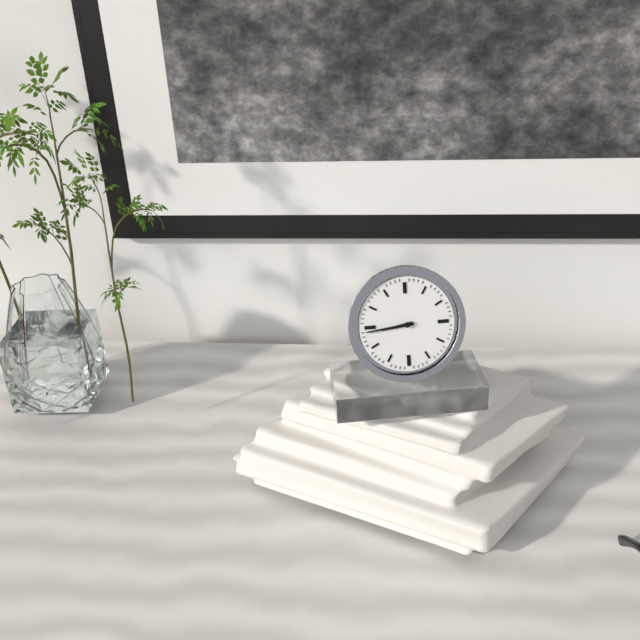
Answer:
{"hour": 8, "minute": 44}
